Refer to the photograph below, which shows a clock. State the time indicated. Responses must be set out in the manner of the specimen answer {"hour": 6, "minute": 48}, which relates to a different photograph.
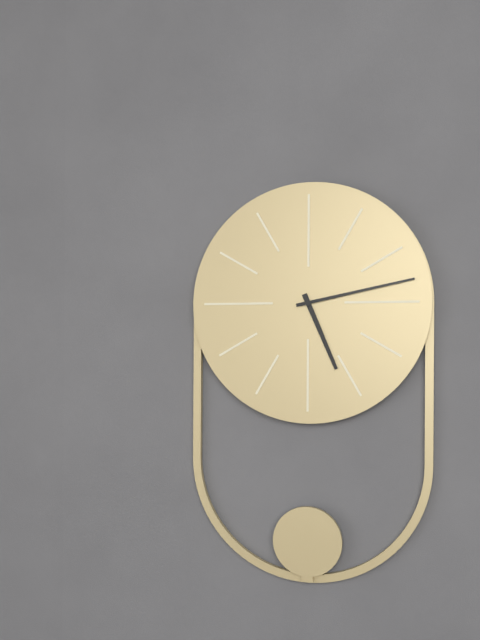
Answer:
{"hour": 5, "minute": 13}
